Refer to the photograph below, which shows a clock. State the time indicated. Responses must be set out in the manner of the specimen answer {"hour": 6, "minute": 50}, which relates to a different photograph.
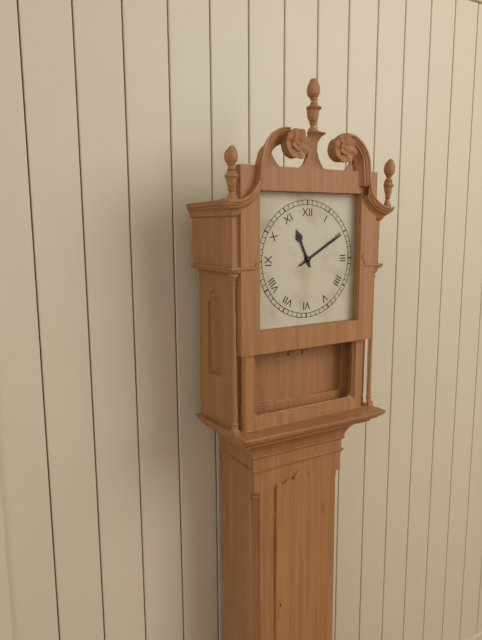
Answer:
{"hour": 11, "minute": 10}
